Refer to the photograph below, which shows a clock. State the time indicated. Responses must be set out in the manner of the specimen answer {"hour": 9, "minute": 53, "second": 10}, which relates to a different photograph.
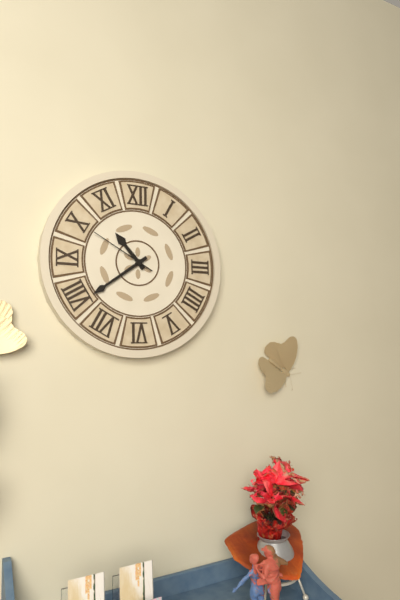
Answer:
{"hour": 10, "minute": 39, "second": 50}
